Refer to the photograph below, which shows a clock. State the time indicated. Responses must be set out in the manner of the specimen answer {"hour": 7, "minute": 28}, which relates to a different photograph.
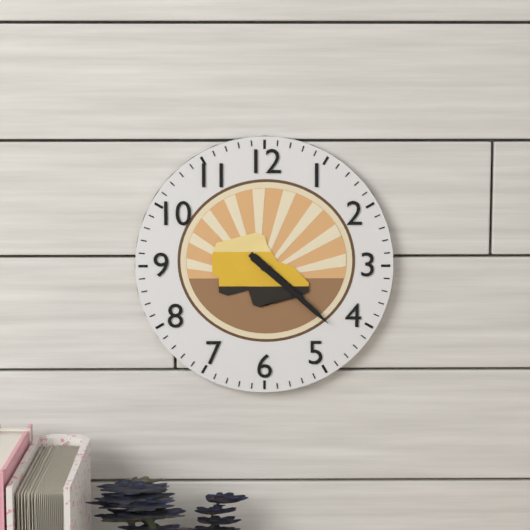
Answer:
{"hour": 4, "minute": 22}
